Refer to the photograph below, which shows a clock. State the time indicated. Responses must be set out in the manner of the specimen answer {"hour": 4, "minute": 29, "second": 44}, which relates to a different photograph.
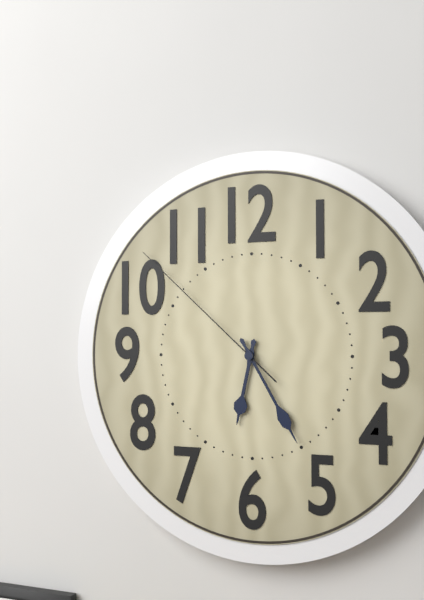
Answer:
{"hour": 6, "minute": 25, "second": 52}
